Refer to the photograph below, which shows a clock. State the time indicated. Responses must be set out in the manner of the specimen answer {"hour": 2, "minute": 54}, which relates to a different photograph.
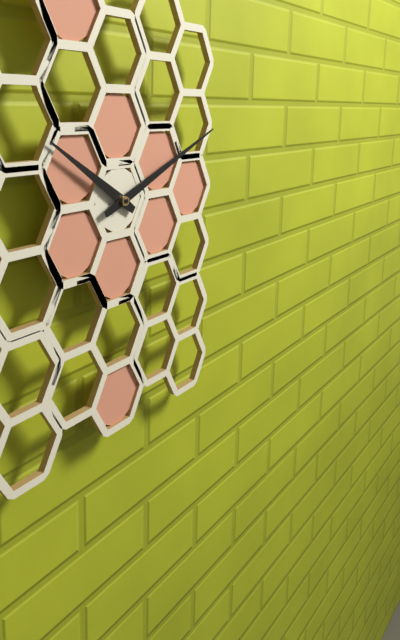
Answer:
{"hour": 10, "minute": 11}
